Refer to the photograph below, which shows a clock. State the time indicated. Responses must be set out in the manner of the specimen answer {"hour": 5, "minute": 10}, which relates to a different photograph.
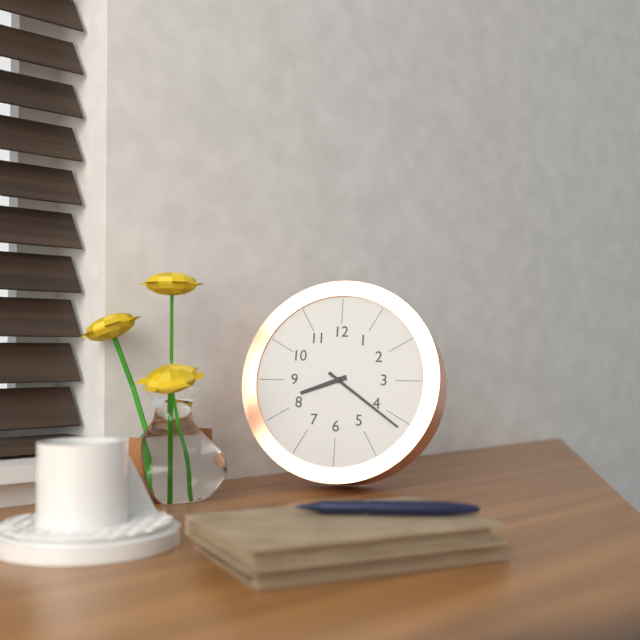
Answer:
{"hour": 8, "minute": 21}
